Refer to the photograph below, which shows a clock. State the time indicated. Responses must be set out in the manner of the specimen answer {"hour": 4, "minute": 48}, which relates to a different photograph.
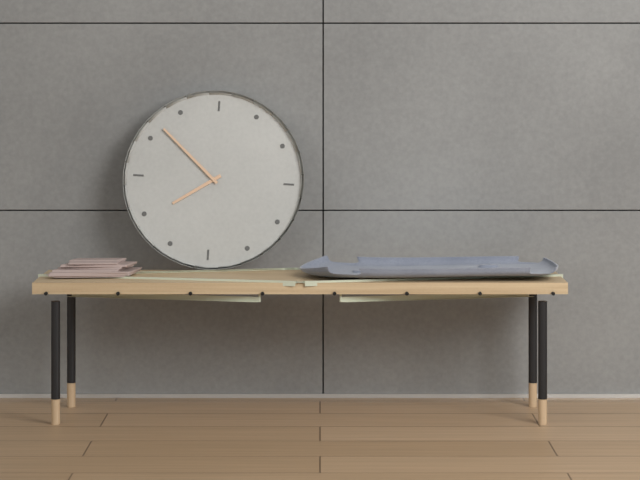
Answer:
{"hour": 7, "minute": 52}
